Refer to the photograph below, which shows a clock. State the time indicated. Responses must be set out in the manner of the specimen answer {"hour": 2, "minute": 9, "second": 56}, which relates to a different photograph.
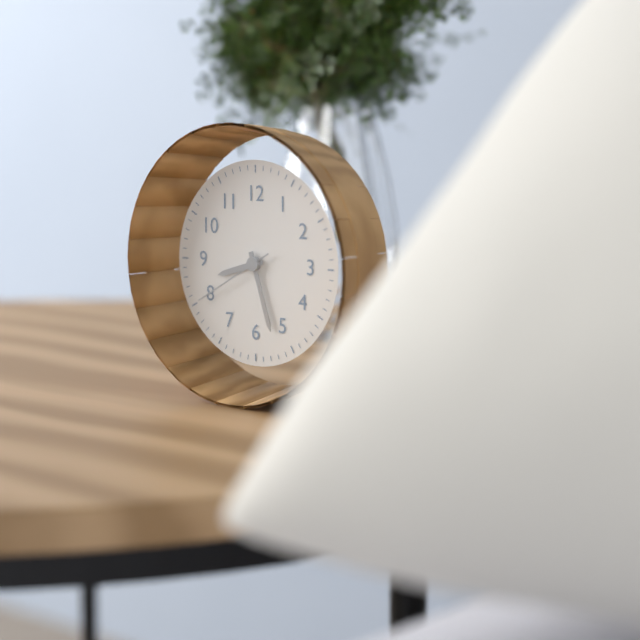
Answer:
{"hour": 8, "minute": 27, "second": 40}
